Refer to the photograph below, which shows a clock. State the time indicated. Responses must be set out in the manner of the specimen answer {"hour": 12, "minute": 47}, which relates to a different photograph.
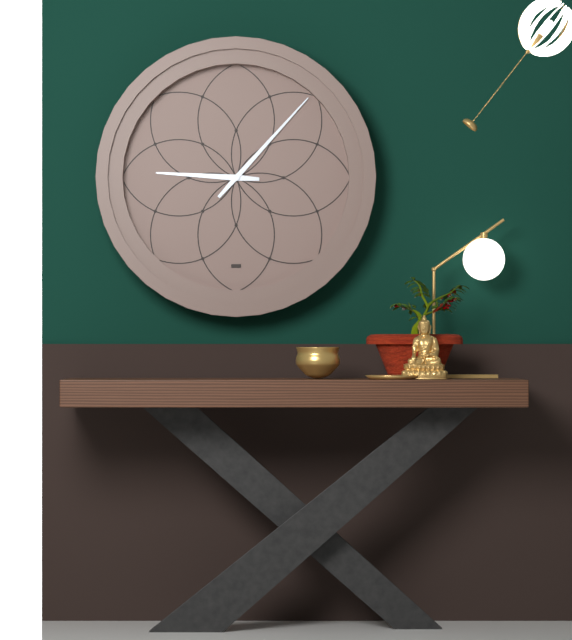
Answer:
{"hour": 9, "minute": 7}
